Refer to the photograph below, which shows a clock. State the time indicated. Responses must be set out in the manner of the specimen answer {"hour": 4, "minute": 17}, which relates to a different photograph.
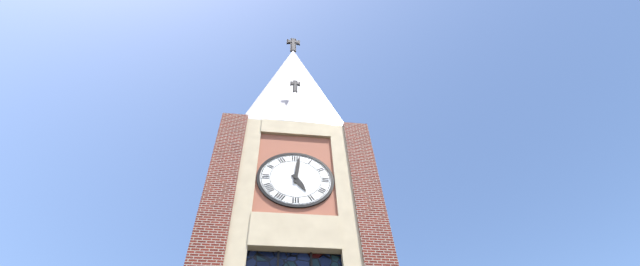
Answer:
{"hour": 5, "minute": 1}
